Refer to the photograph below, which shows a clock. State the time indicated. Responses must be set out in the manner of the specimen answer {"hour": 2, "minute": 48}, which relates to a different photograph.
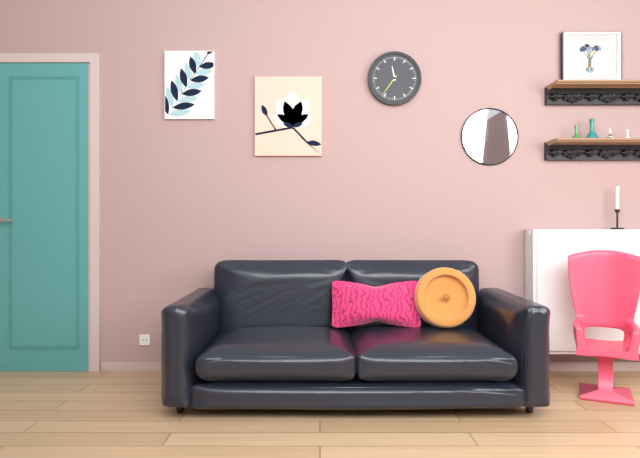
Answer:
{"hour": 11, "minute": 36}
